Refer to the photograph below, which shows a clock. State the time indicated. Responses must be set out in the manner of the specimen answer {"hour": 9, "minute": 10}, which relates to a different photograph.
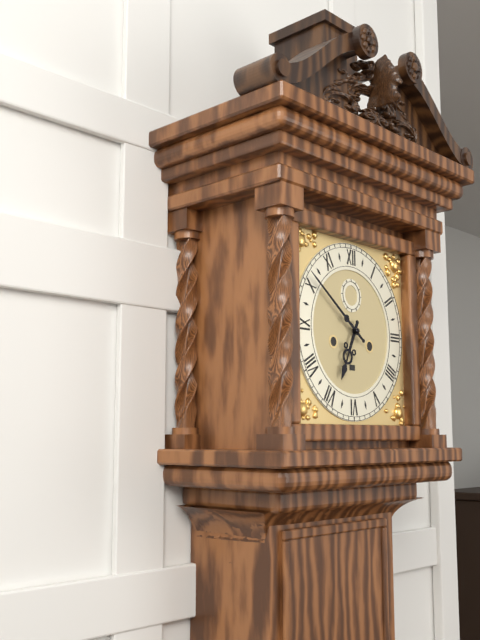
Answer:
{"hour": 6, "minute": 51}
